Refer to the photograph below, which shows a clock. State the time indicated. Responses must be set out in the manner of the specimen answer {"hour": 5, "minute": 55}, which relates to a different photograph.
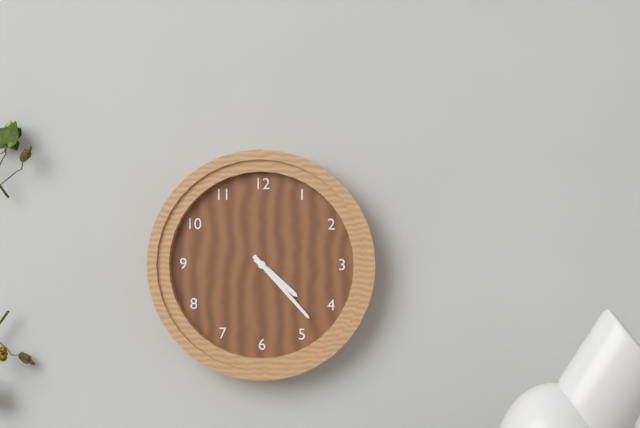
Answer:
{"hour": 4, "minute": 23}
